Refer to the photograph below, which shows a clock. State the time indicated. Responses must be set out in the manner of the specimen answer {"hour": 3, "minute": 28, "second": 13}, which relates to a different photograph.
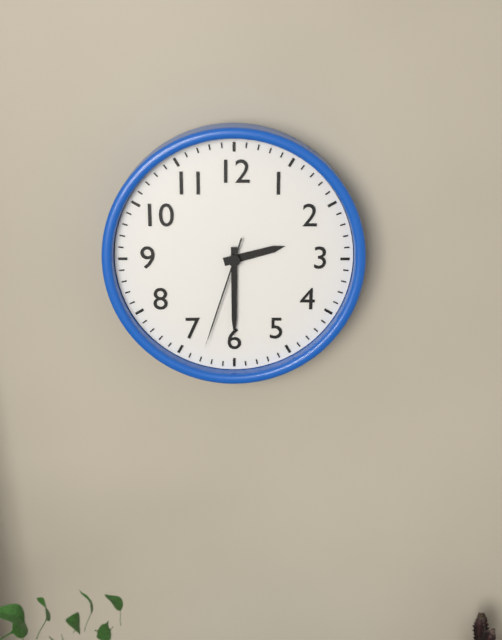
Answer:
{"hour": 2, "minute": 30, "second": 33}
